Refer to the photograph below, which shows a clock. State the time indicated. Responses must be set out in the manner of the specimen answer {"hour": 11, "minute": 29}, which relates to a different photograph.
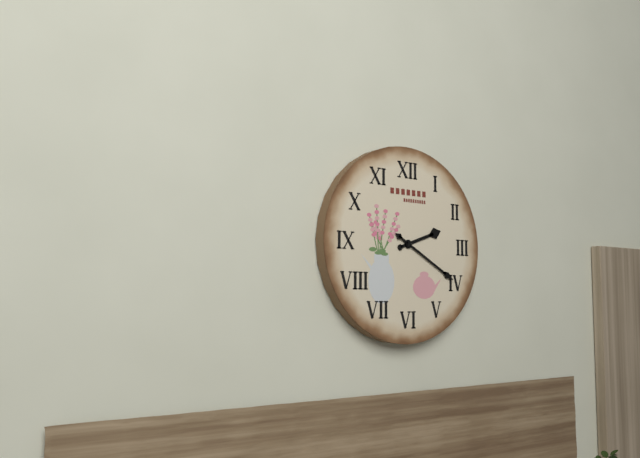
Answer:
{"hour": 2, "minute": 20}
